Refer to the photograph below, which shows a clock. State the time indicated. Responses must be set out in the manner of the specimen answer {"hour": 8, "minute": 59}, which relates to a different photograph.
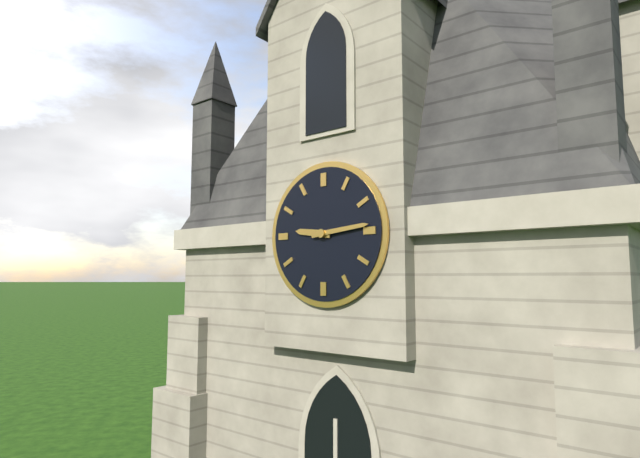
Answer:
{"hour": 9, "minute": 14}
